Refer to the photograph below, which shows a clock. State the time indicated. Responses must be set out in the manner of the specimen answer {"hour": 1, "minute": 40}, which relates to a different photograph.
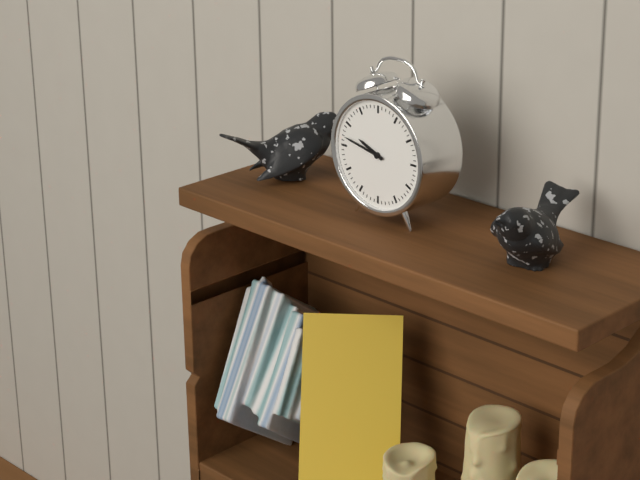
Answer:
{"hour": 9, "minute": 47}
